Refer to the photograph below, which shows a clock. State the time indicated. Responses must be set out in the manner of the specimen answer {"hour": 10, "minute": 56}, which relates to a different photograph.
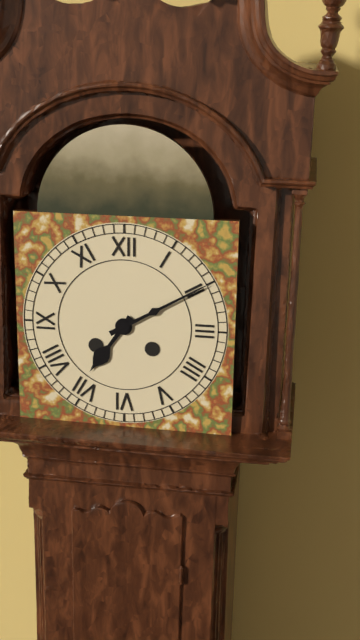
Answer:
{"hour": 7, "minute": 10}
